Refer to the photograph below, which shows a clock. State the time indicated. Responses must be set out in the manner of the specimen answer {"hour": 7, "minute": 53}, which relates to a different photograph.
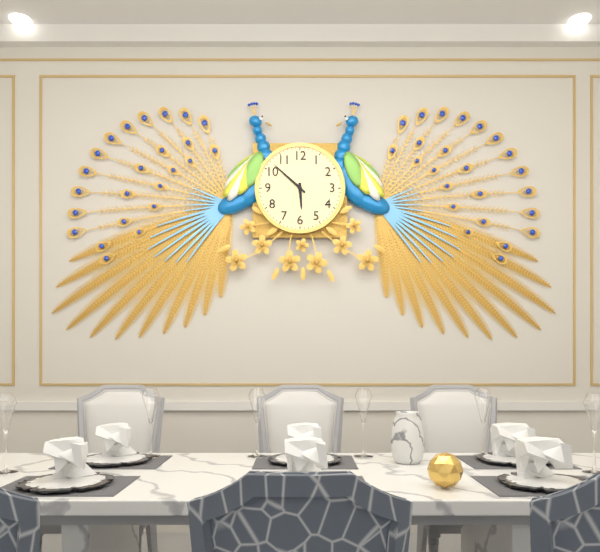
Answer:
{"hour": 5, "minute": 52}
